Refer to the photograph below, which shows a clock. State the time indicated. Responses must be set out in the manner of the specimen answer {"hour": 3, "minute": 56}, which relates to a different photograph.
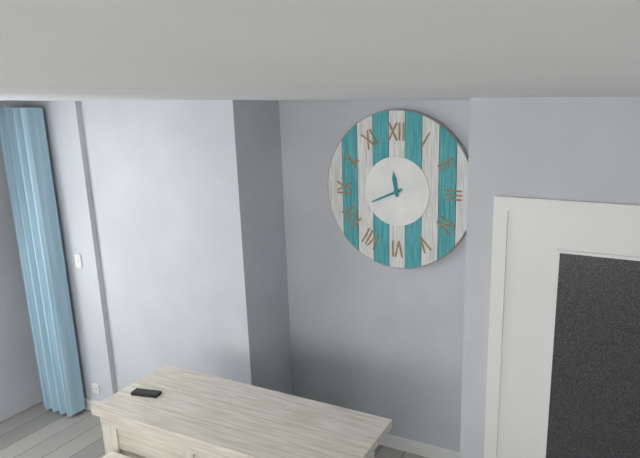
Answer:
{"hour": 11, "minute": 41}
